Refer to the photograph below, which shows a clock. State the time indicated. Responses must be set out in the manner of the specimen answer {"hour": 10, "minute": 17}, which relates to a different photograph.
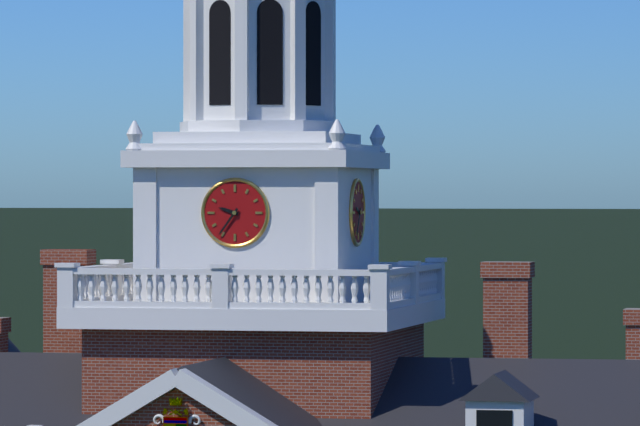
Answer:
{"hour": 9, "minute": 36}
